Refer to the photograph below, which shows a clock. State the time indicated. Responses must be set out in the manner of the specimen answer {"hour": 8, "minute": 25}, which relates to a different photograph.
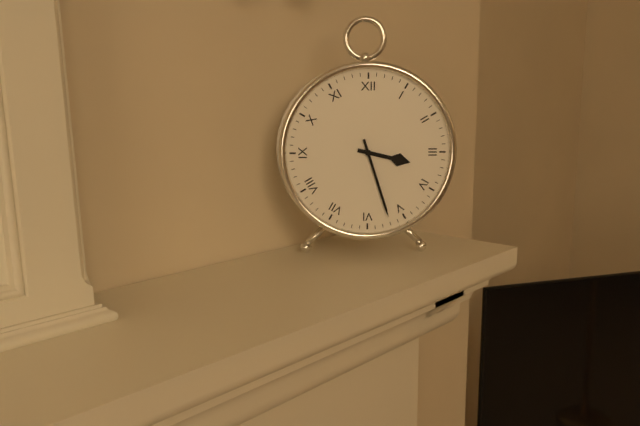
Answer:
{"hour": 3, "minute": 27}
